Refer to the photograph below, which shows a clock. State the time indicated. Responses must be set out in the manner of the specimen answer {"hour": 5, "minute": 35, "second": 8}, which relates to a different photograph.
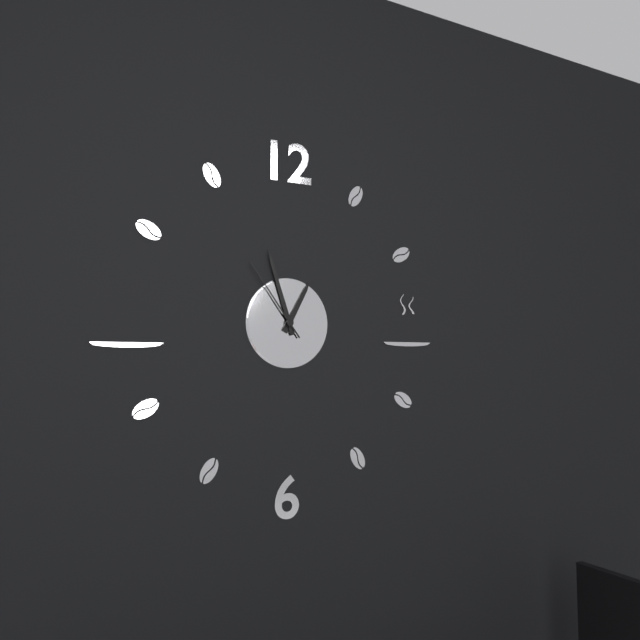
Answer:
{"hour": 12, "minute": 57, "second": 54}
